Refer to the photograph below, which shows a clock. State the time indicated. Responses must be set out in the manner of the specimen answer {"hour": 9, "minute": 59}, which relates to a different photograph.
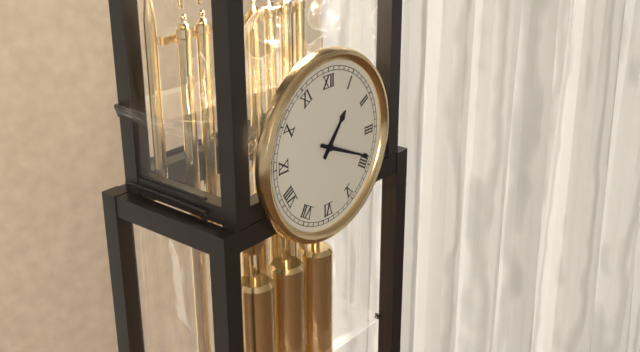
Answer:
{"hour": 1, "minute": 19}
